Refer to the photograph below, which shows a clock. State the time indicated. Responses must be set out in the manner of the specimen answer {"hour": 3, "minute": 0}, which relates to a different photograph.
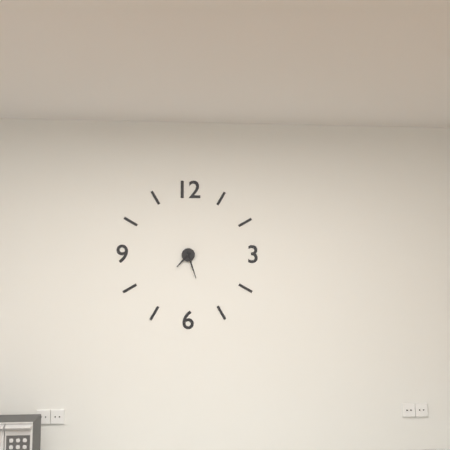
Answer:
{"hour": 7, "minute": 27}
